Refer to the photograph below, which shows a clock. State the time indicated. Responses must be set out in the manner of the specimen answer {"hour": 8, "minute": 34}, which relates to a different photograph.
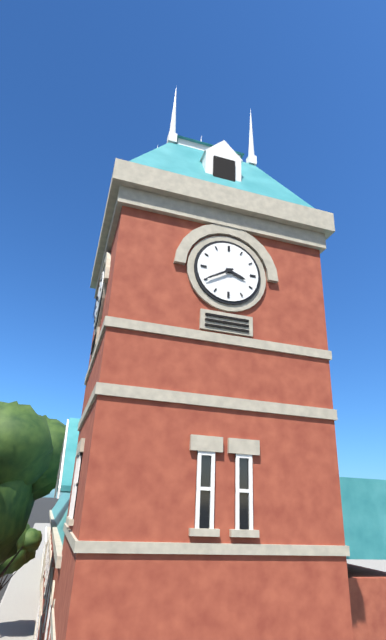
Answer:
{"hour": 3, "minute": 40}
